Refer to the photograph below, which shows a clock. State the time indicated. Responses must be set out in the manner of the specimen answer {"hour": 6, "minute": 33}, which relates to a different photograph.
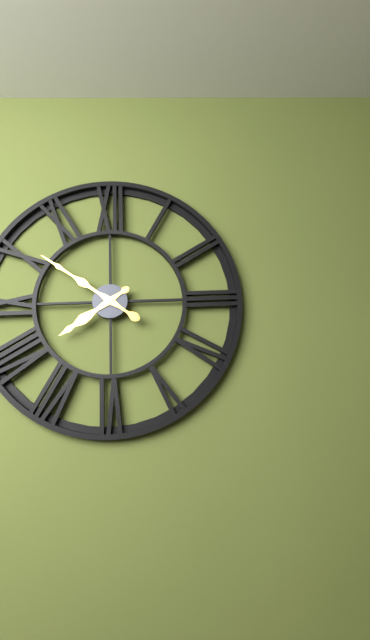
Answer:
{"hour": 7, "minute": 51}
